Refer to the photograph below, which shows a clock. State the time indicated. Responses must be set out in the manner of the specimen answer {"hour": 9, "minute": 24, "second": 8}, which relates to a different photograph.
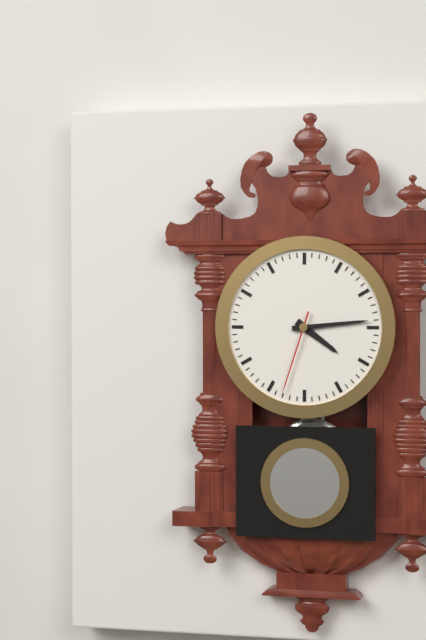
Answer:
{"hour": 4, "minute": 14, "second": 33}
